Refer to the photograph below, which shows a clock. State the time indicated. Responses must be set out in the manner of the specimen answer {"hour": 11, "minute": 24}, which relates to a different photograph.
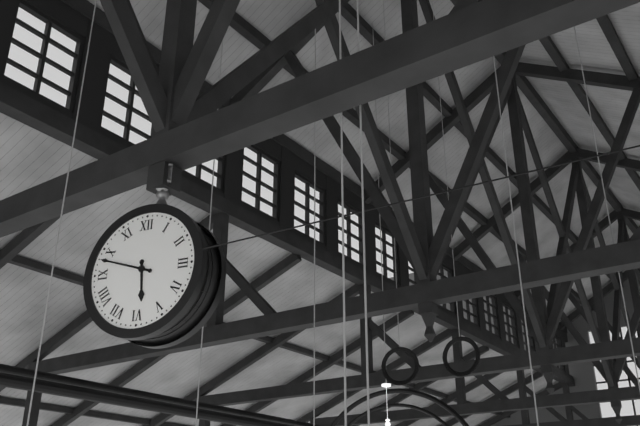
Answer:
{"hour": 5, "minute": 48}
